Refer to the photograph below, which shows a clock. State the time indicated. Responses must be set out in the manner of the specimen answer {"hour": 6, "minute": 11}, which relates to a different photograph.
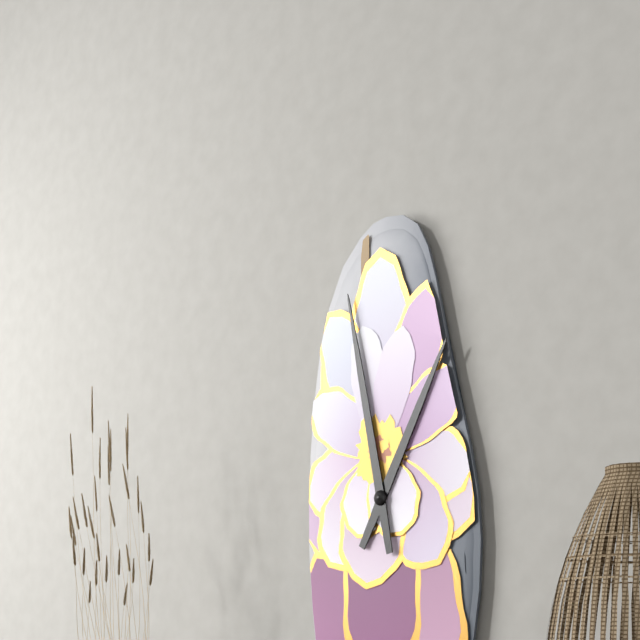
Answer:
{"hour": 12, "minute": 58}
